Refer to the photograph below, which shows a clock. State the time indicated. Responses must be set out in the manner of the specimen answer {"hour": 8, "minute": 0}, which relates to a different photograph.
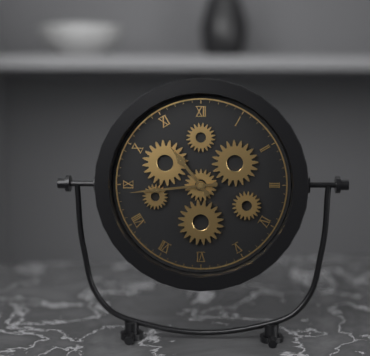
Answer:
{"hour": 10, "minute": 44}
